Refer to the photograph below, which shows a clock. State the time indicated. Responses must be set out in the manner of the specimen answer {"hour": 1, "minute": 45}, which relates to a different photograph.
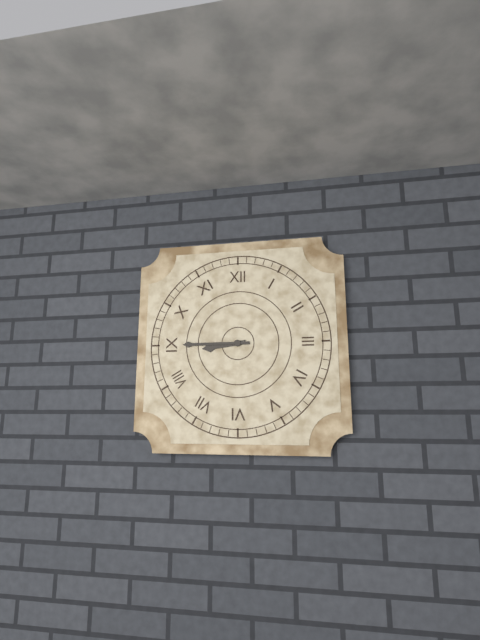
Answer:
{"hour": 8, "minute": 45}
